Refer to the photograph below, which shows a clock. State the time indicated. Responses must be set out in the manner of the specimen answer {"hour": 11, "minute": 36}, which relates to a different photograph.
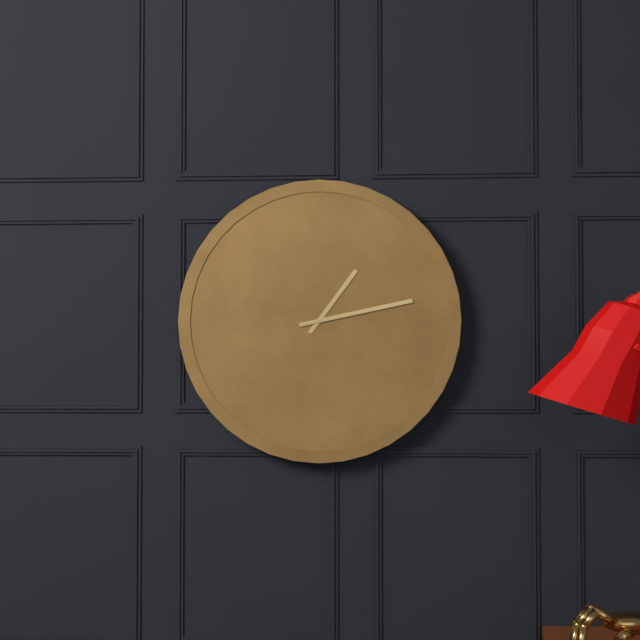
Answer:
{"hour": 1, "minute": 13}
